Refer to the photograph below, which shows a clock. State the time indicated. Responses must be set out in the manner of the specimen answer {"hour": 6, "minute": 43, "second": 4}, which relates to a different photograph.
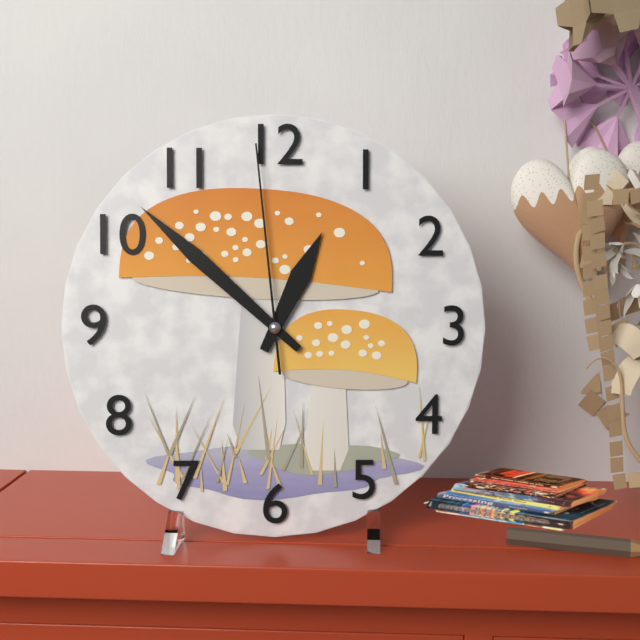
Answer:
{"hour": 12, "minute": 52, "second": 59}
